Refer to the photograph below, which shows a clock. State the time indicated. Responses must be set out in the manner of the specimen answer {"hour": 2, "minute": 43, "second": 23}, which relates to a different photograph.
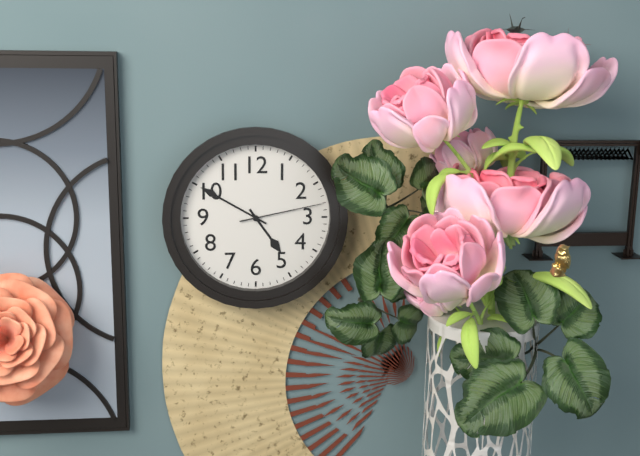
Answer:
{"hour": 4, "minute": 50, "second": 13}
